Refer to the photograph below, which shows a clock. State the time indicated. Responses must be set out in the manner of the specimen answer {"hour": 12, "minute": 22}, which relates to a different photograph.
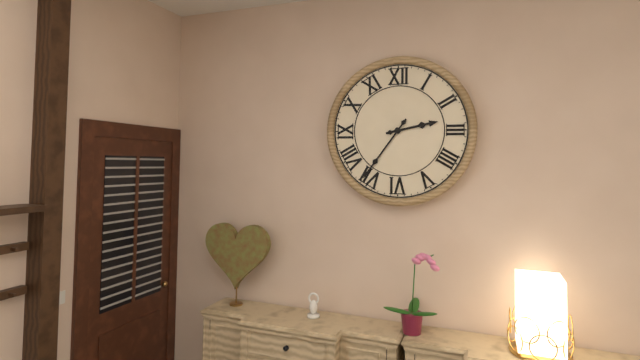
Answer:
{"hour": 2, "minute": 36}
